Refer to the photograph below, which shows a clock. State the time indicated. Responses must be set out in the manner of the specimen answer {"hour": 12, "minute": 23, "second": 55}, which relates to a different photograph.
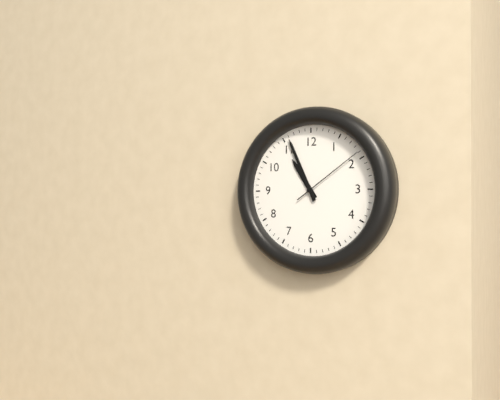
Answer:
{"hour": 10, "minute": 56, "second": 9}
